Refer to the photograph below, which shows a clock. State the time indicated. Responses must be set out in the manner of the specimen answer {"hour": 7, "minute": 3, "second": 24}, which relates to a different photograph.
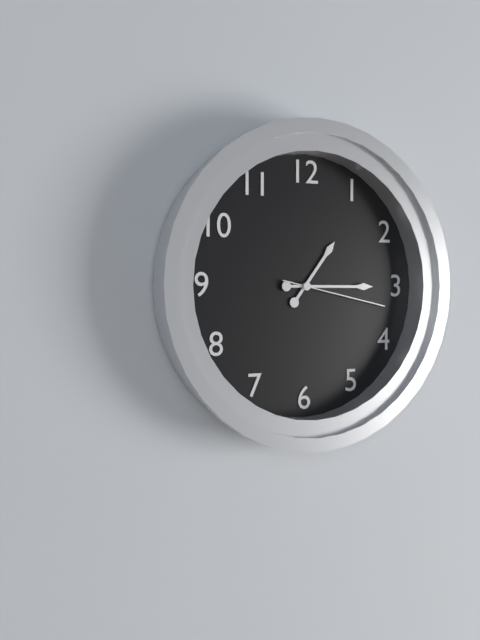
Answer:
{"hour": 1, "minute": 15, "second": 17}
